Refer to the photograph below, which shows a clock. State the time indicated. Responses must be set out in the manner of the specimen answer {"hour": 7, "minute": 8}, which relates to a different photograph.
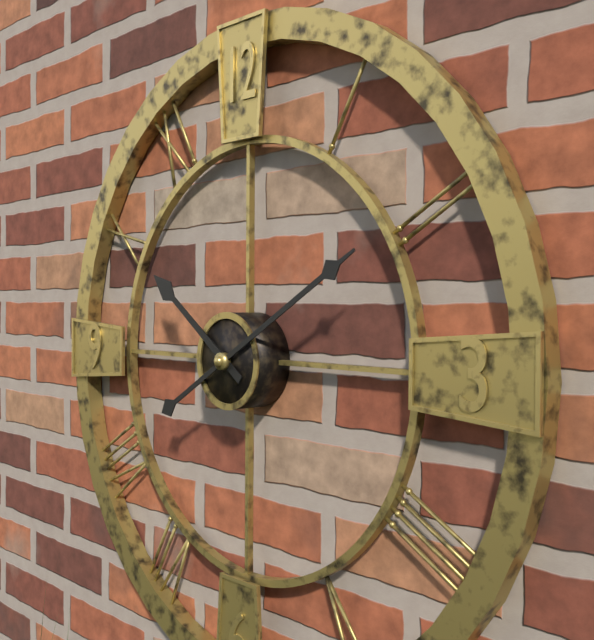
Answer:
{"hour": 10, "minute": 10}
